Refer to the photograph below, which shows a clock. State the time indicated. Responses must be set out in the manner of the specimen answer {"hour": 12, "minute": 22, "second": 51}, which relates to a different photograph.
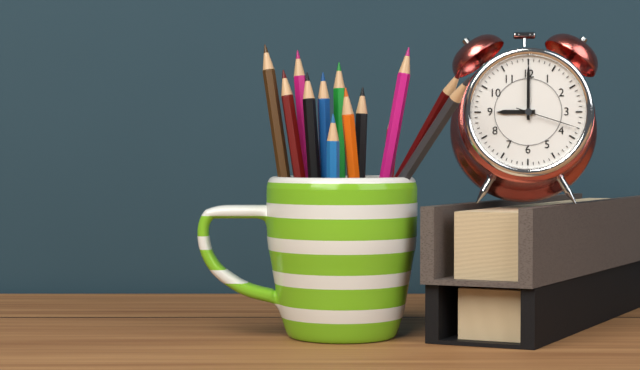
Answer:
{"hour": 9, "minute": 0, "second": 18}
